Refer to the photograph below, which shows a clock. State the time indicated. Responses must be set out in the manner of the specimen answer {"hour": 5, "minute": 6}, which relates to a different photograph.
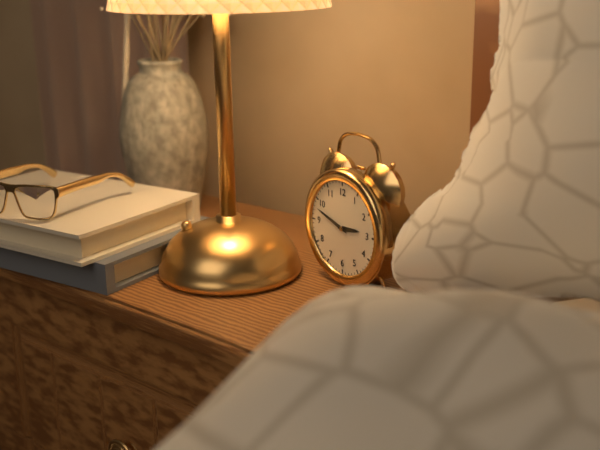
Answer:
{"hour": 2, "minute": 48}
